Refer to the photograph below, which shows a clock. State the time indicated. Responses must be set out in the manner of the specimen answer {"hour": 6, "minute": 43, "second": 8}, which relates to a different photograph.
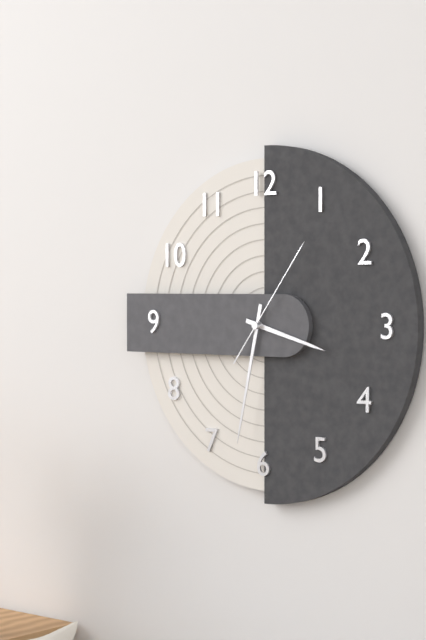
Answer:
{"hour": 3, "minute": 32, "second": 6}
